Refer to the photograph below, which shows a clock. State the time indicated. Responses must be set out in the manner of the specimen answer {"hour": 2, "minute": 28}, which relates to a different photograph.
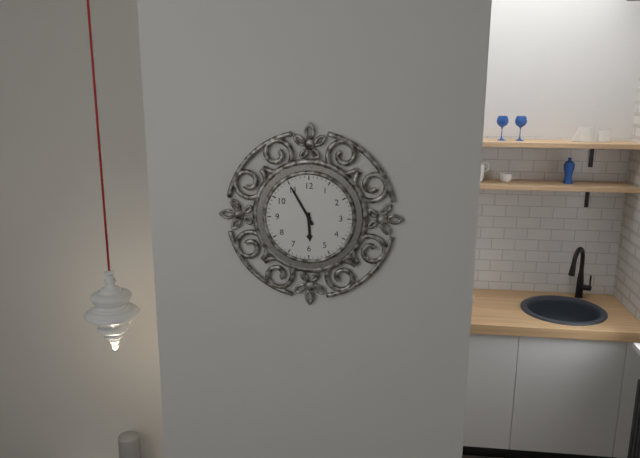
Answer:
{"hour": 5, "minute": 55}
